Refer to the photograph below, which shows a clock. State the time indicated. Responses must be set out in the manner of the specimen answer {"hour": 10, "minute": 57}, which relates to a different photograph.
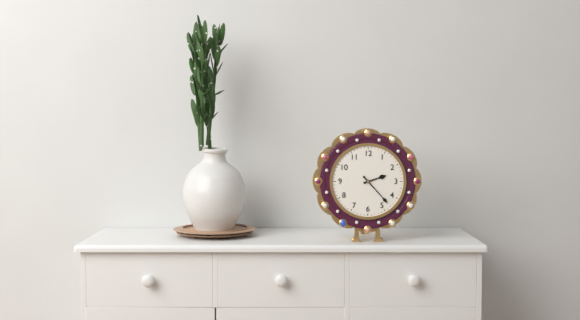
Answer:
{"hour": 2, "minute": 23}
